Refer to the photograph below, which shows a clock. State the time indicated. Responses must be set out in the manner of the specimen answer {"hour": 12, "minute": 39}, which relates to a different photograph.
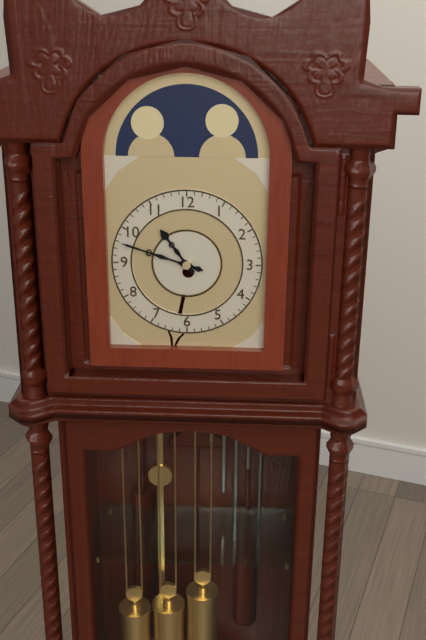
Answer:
{"hour": 10, "minute": 48}
